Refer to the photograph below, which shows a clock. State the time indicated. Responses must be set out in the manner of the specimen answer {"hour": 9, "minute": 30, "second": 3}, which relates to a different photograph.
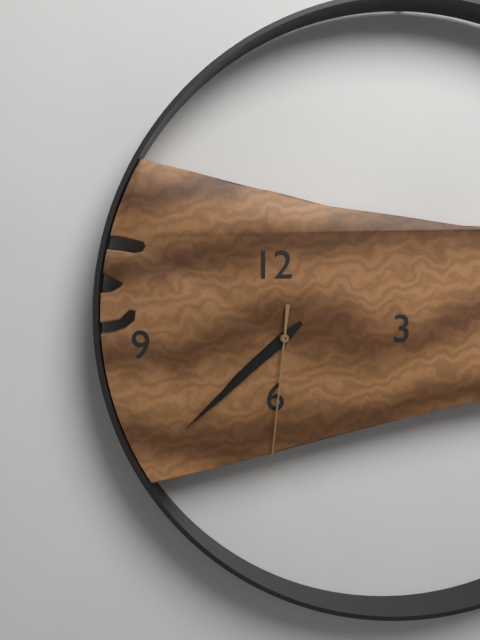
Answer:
{"hour": 7, "minute": 38, "second": 31}
